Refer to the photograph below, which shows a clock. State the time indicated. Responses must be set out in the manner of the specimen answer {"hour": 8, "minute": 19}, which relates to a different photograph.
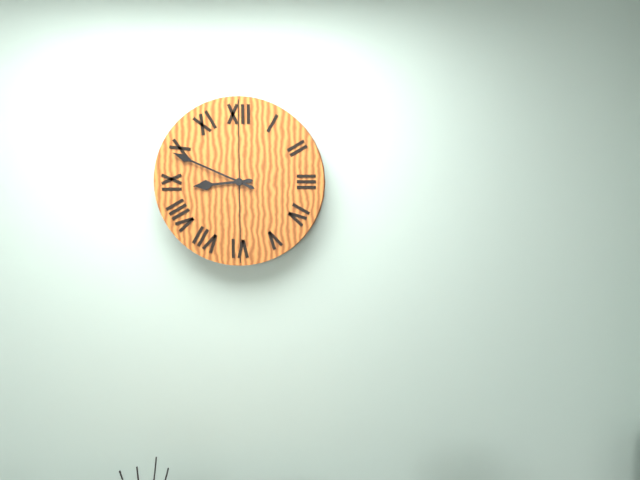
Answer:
{"hour": 8, "minute": 49}
